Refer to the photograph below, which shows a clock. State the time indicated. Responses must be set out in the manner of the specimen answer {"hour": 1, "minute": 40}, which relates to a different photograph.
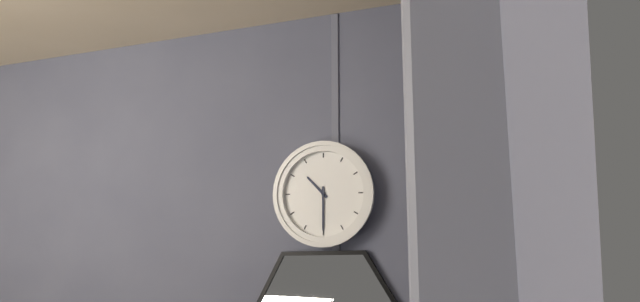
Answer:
{"hour": 10, "minute": 30}
